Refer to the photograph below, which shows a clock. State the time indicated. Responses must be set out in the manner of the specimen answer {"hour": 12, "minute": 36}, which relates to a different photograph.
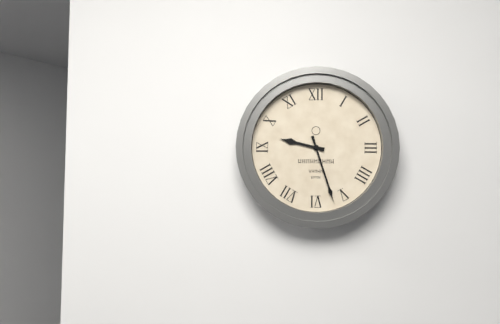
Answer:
{"hour": 9, "minute": 27}
